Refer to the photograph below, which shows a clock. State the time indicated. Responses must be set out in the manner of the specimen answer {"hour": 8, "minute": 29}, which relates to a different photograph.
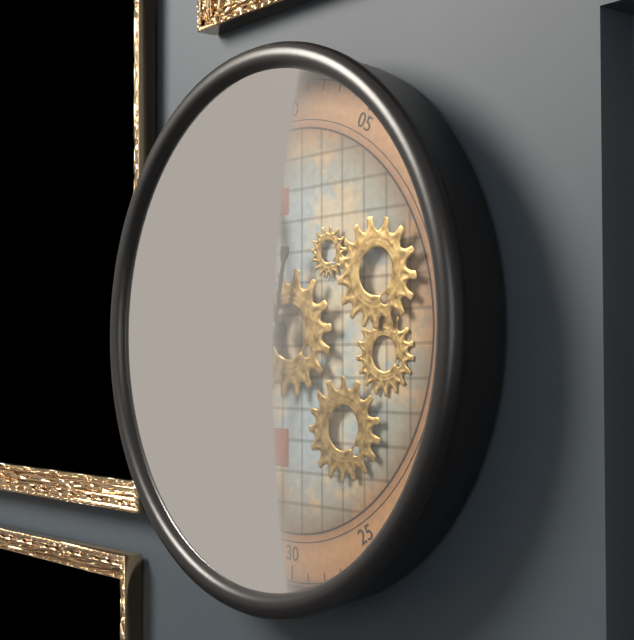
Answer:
{"hour": 11, "minute": 32}
